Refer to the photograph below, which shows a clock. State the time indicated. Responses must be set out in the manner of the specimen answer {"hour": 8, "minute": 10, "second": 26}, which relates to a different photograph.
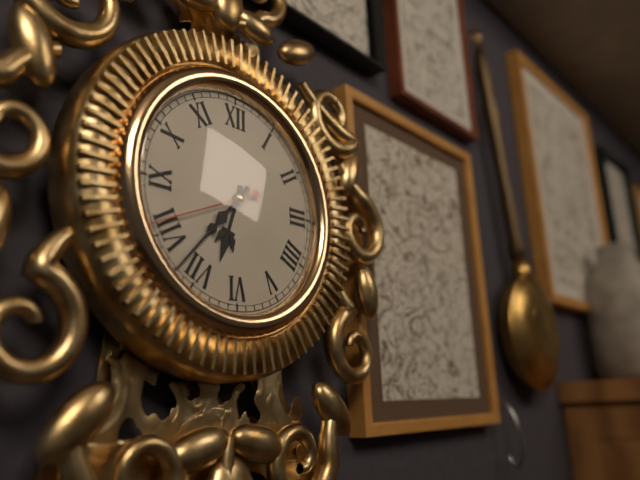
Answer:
{"hour": 6, "minute": 37, "second": 41}
